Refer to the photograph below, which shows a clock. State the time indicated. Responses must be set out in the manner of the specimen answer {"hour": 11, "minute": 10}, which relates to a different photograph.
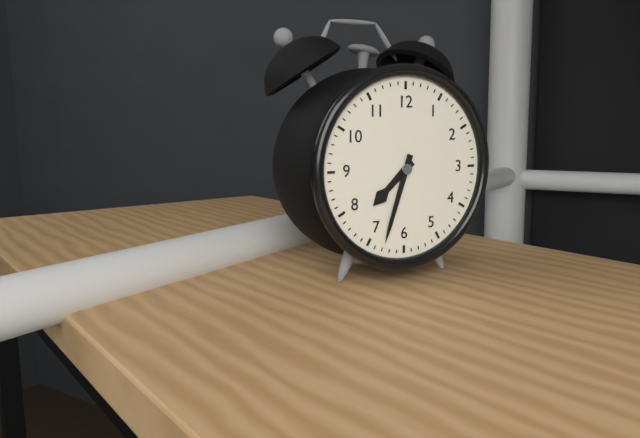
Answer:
{"hour": 7, "minute": 33}
